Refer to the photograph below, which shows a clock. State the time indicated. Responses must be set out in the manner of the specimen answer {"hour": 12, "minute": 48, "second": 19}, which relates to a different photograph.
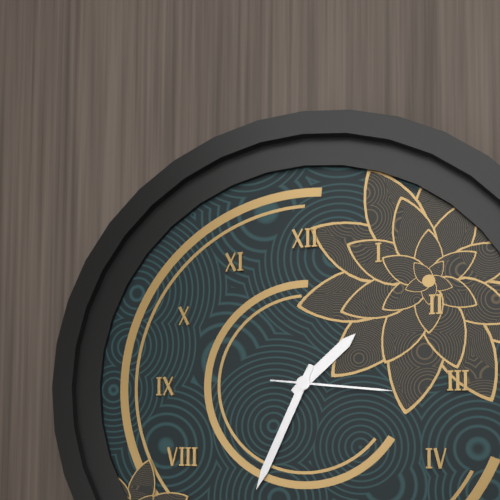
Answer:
{"hour": 1, "minute": 34, "second": 16}
